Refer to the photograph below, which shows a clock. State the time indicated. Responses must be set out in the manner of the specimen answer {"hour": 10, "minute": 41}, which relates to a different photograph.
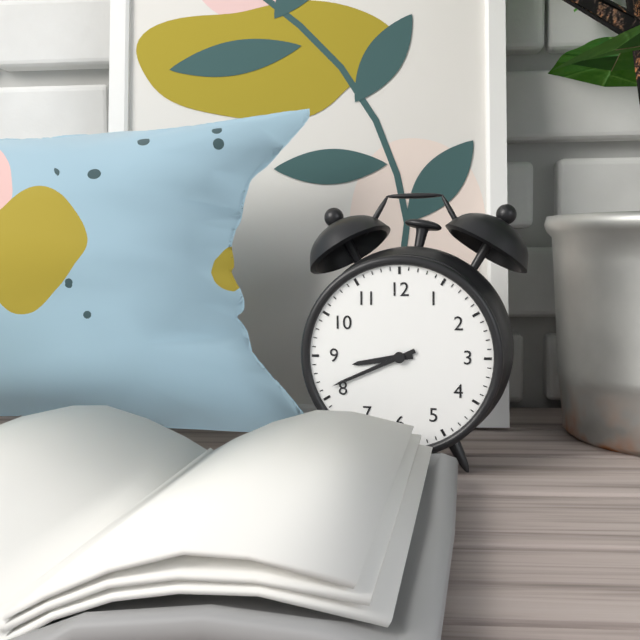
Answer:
{"hour": 8, "minute": 41}
